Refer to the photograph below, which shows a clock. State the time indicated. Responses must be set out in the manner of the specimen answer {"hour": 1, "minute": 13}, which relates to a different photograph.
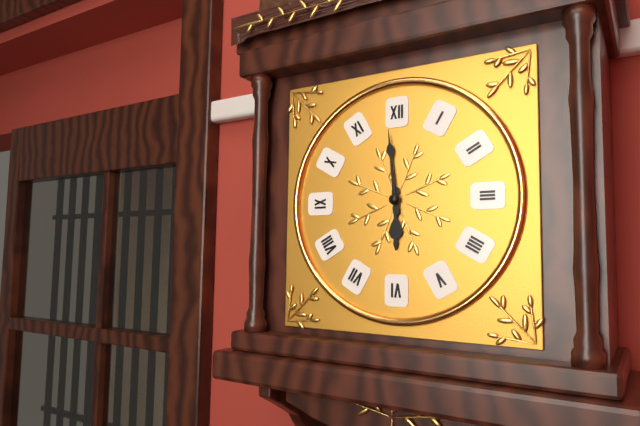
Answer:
{"hour": 5, "minute": 59}
